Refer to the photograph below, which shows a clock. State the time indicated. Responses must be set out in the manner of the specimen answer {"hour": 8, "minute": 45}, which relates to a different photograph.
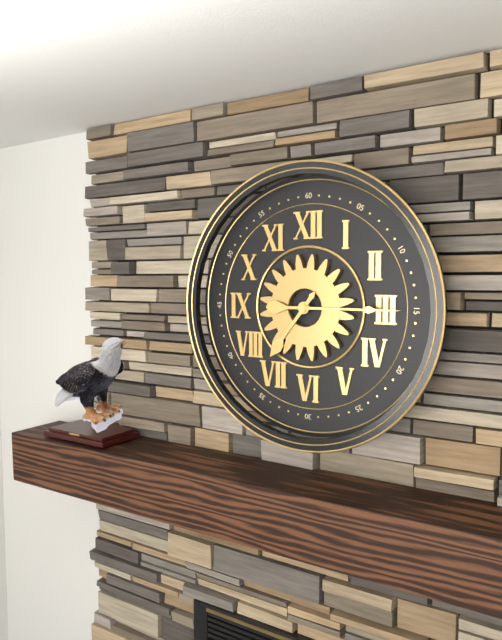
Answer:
{"hour": 7, "minute": 15}
